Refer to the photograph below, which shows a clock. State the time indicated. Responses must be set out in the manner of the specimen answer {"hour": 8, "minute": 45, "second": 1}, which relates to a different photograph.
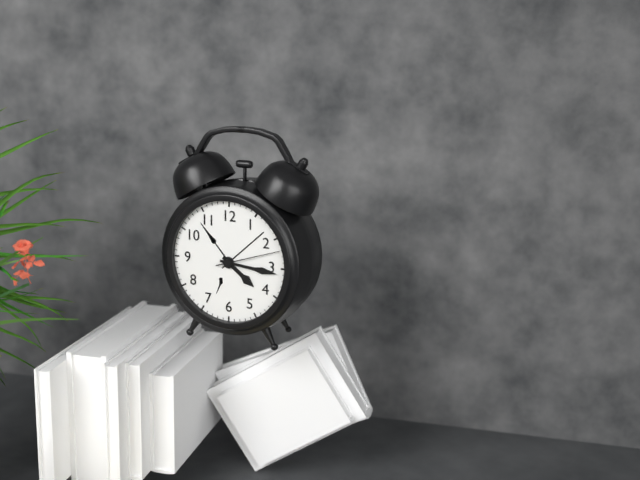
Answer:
{"hour": 4, "minute": 16, "second": 12}
